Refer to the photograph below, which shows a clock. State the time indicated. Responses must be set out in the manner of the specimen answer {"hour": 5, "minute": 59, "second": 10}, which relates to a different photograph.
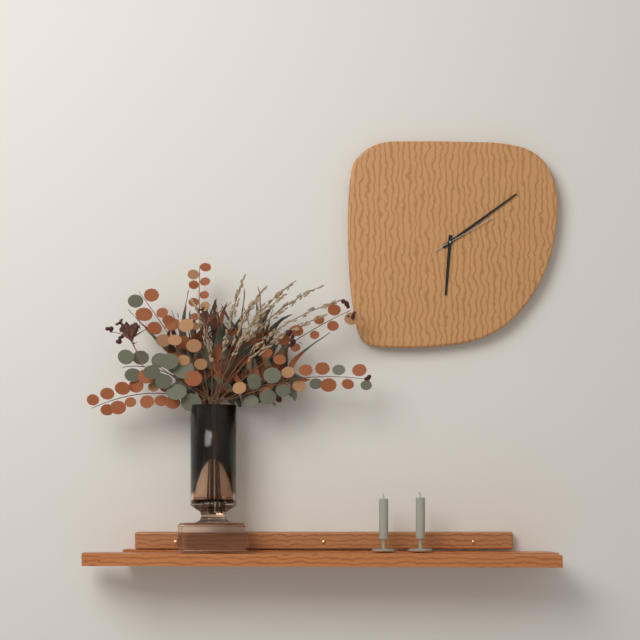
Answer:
{"hour": 6, "minute": 9, "second": 10}
